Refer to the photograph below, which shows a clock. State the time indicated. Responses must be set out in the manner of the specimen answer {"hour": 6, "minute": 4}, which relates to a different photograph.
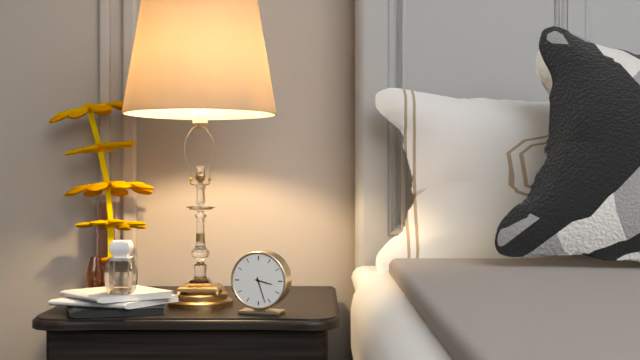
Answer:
{"hour": 3, "minute": 27}
